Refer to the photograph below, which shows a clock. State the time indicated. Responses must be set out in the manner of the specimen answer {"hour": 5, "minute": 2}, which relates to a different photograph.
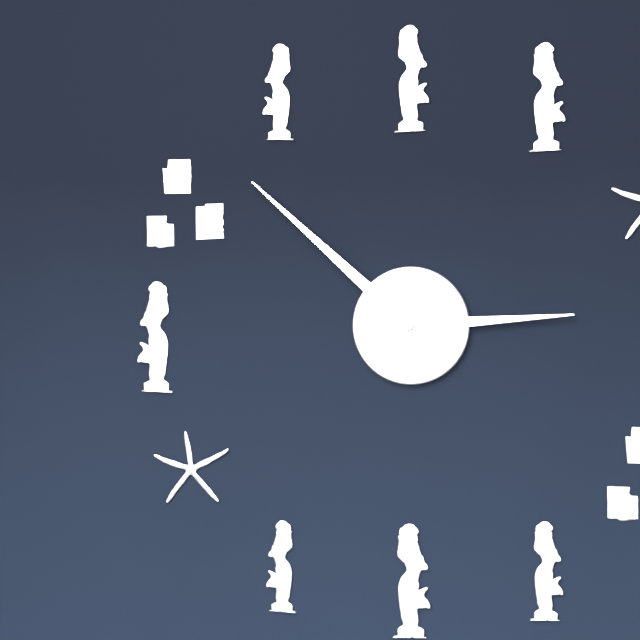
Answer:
{"hour": 2, "minute": 52}
